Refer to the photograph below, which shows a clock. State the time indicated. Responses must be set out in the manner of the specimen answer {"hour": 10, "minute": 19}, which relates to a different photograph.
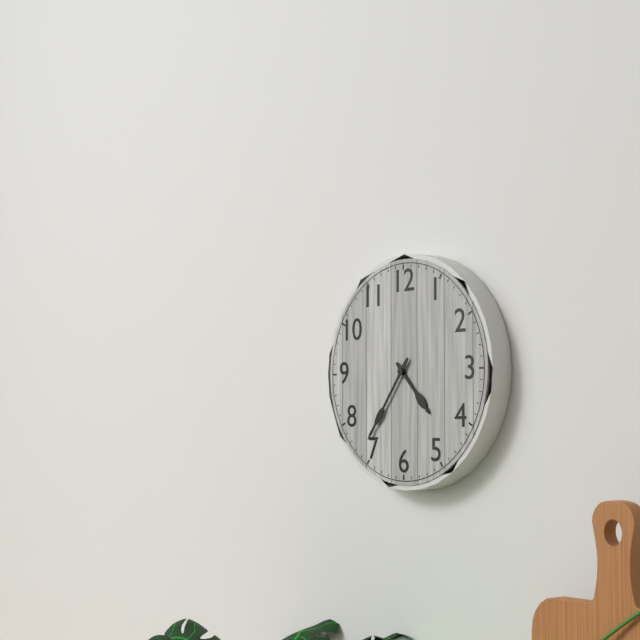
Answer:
{"hour": 4, "minute": 36}
